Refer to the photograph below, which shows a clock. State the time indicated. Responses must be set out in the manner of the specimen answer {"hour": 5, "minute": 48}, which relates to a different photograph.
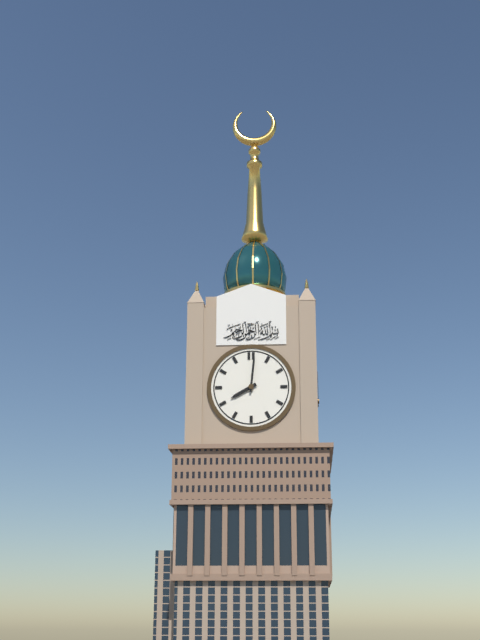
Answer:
{"hour": 8, "minute": 1}
